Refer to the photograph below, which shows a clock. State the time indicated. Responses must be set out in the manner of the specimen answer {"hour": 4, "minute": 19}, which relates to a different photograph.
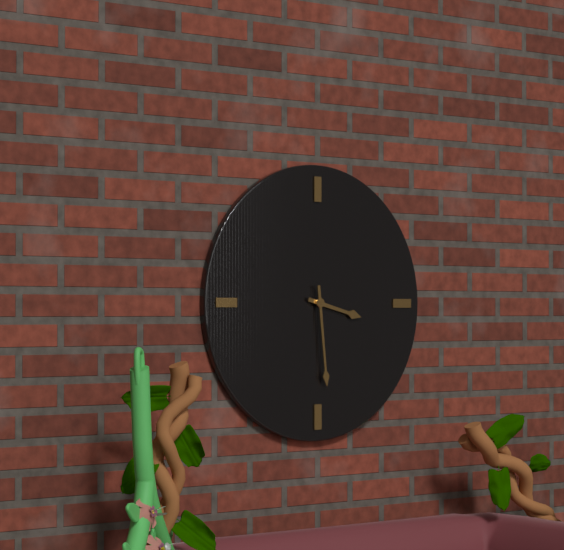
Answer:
{"hour": 3, "minute": 29}
